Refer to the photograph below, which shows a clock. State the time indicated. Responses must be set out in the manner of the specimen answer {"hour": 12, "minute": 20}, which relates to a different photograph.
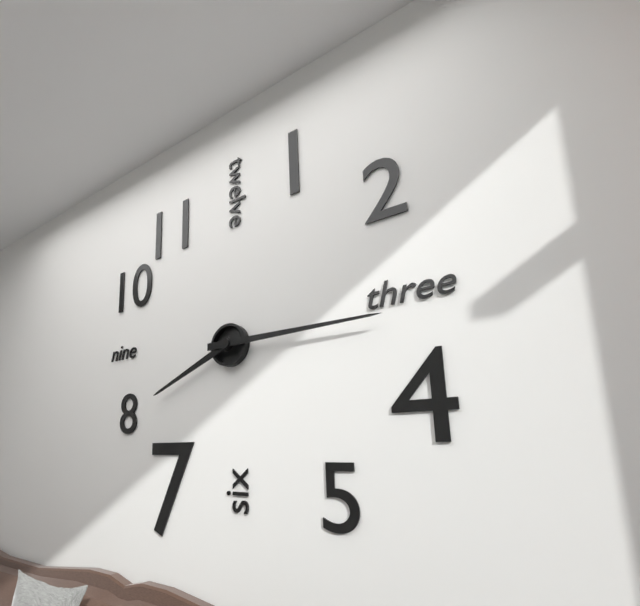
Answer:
{"hour": 8, "minute": 15}
